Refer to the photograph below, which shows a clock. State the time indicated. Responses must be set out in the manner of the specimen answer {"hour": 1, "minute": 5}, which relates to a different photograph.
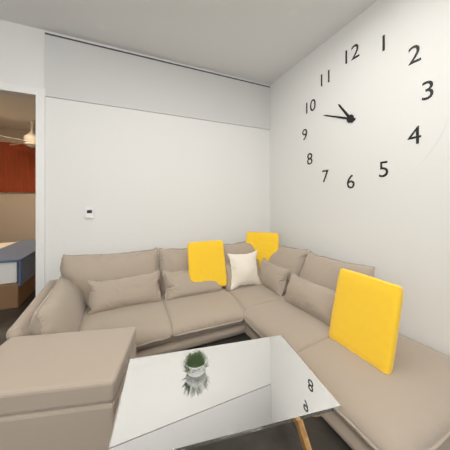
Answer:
{"hour": 10, "minute": 49}
